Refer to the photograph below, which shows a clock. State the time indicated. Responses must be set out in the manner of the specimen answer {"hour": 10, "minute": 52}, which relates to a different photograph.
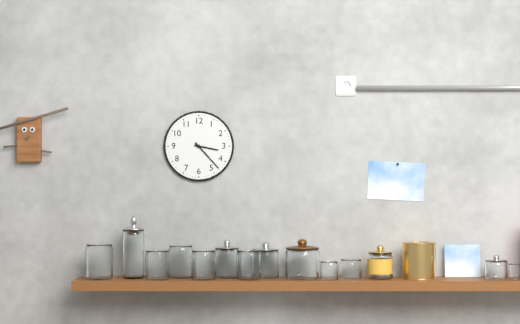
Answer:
{"hour": 3, "minute": 23}
